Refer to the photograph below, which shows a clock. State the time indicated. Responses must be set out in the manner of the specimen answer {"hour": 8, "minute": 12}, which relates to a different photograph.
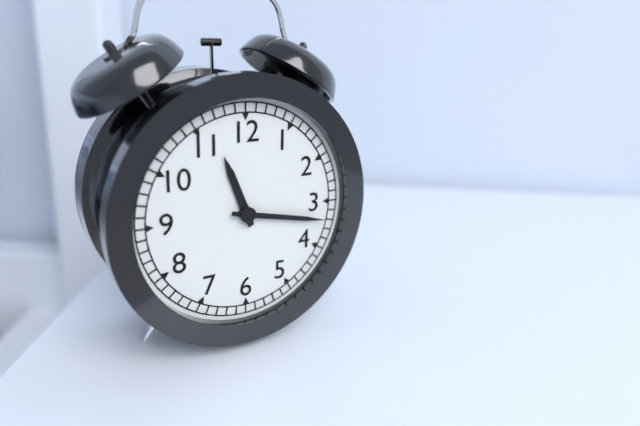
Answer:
{"hour": 11, "minute": 17}
